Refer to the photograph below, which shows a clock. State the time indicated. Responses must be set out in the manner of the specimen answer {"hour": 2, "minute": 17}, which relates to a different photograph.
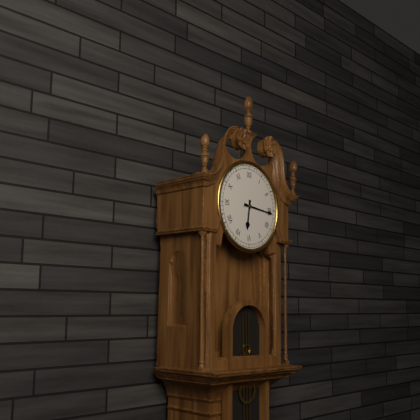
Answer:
{"hour": 6, "minute": 16}
